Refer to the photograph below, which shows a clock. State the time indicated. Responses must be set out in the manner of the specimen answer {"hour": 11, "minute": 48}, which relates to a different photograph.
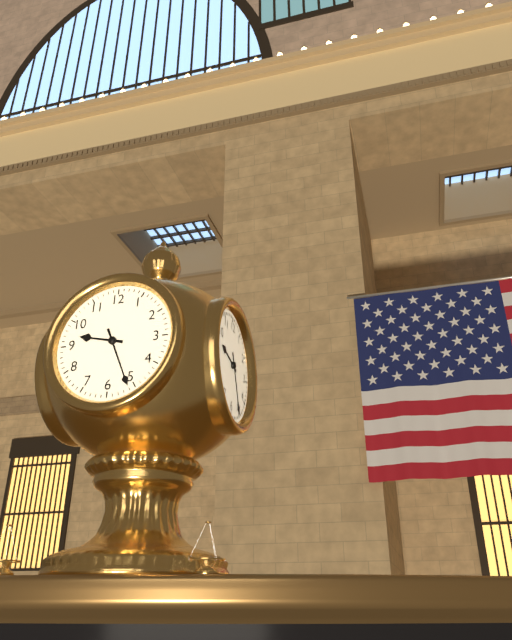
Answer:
{"hour": 9, "minute": 26}
